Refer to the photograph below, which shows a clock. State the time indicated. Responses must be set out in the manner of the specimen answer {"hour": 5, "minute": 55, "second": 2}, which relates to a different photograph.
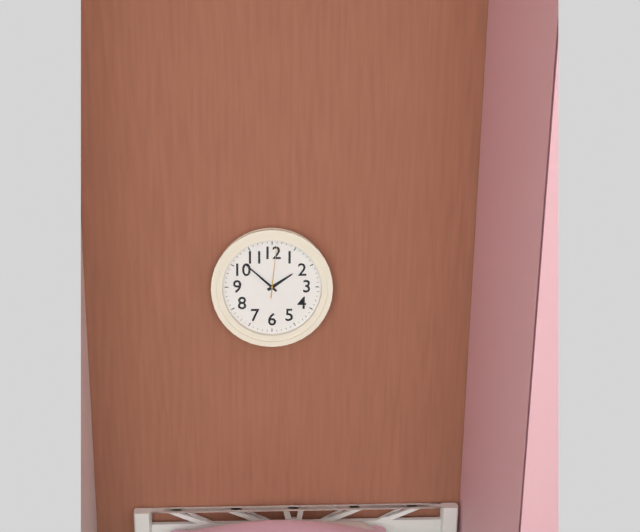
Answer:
{"hour": 1, "minute": 52, "second": 1}
